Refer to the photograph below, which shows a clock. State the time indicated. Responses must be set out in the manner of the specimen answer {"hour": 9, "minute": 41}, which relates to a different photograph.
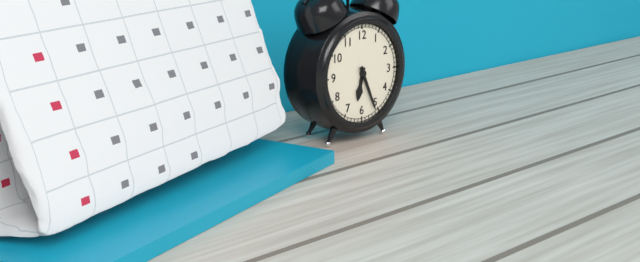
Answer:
{"hour": 6, "minute": 26}
